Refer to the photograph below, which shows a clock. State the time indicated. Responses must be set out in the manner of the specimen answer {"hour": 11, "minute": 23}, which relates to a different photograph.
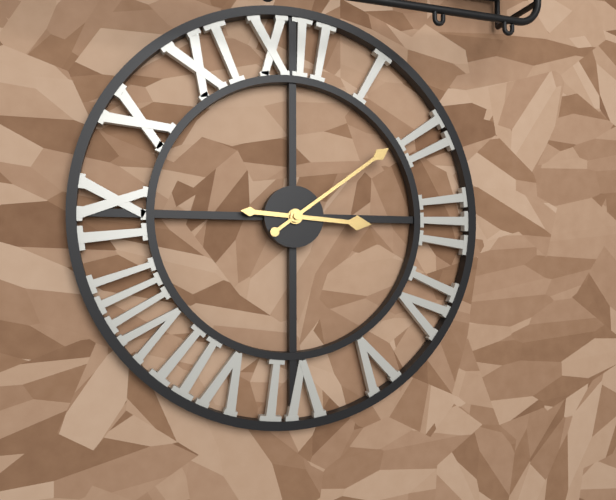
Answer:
{"hour": 3, "minute": 9}
